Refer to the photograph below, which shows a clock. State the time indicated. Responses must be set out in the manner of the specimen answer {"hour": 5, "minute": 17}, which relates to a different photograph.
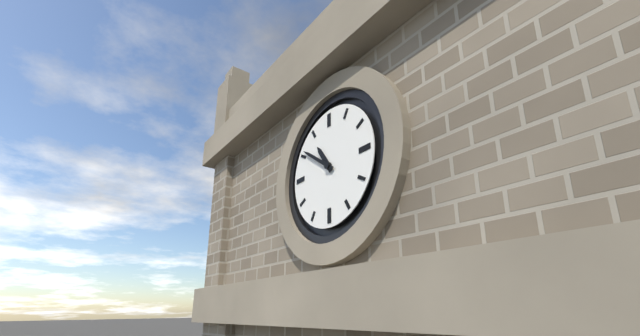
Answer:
{"hour": 10, "minute": 51}
